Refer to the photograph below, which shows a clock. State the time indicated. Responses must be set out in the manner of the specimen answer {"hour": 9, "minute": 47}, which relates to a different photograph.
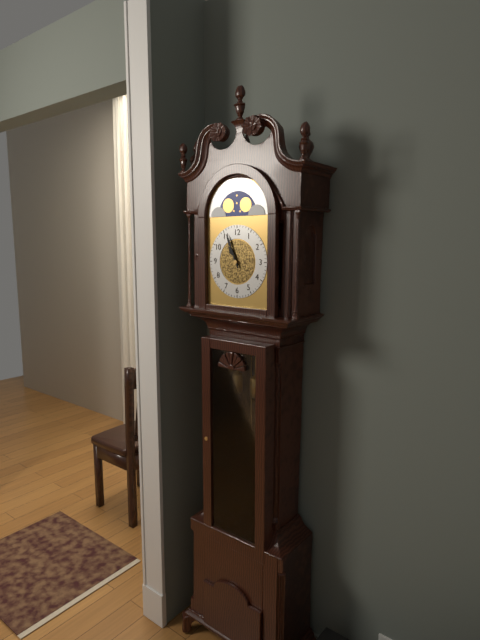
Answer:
{"hour": 10, "minute": 56}
